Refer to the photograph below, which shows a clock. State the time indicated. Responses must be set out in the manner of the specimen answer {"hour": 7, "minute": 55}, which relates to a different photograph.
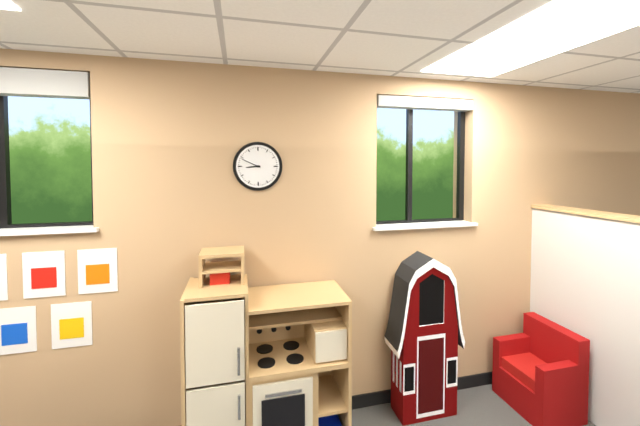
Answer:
{"hour": 8, "minute": 49}
